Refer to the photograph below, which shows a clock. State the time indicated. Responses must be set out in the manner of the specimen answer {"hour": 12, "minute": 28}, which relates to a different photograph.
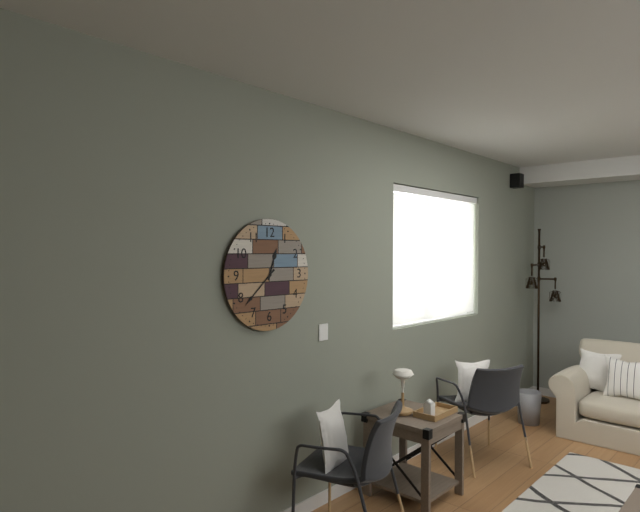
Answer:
{"hour": 12, "minute": 38}
